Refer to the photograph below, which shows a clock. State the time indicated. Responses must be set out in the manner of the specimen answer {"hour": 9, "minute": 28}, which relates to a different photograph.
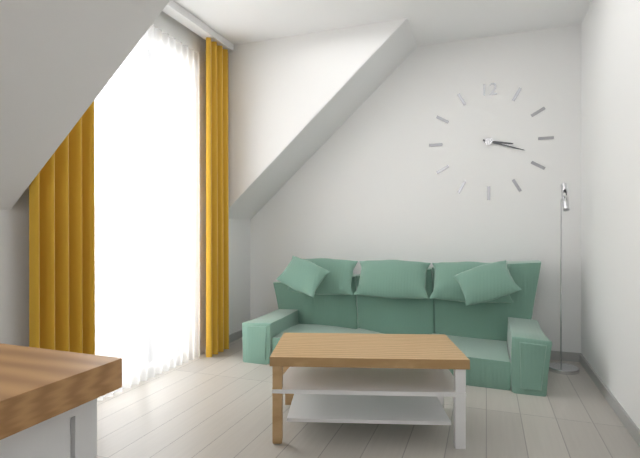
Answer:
{"hour": 3, "minute": 18}
